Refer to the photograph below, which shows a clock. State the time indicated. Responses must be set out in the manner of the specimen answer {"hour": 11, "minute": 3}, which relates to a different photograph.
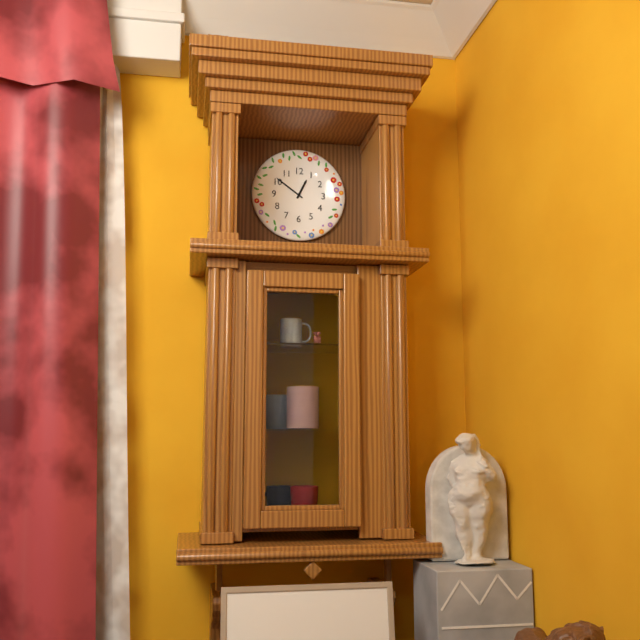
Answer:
{"hour": 12, "minute": 51}
